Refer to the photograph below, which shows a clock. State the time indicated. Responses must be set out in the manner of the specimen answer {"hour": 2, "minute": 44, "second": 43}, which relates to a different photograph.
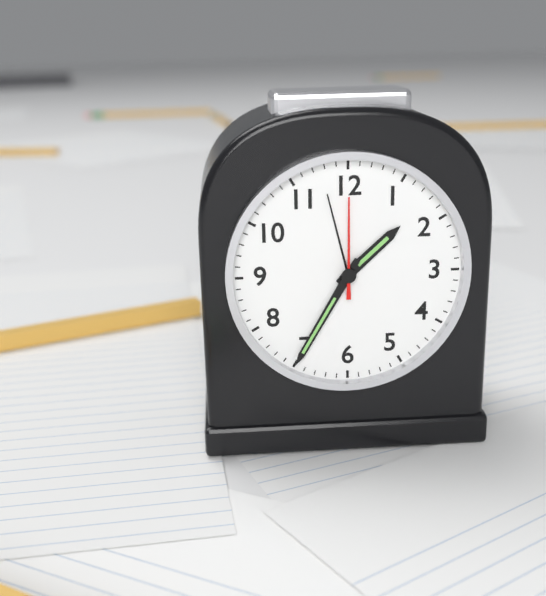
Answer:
{"hour": 1, "minute": 35, "second": 0}
